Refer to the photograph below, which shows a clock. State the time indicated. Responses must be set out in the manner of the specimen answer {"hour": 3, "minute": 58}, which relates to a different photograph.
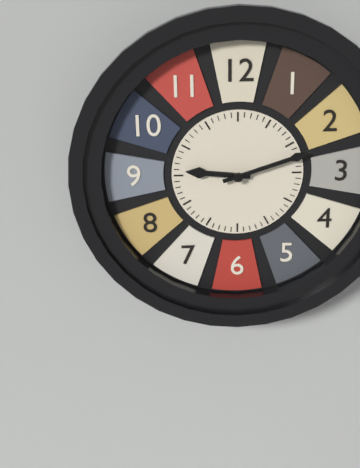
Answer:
{"hour": 9, "minute": 12}
